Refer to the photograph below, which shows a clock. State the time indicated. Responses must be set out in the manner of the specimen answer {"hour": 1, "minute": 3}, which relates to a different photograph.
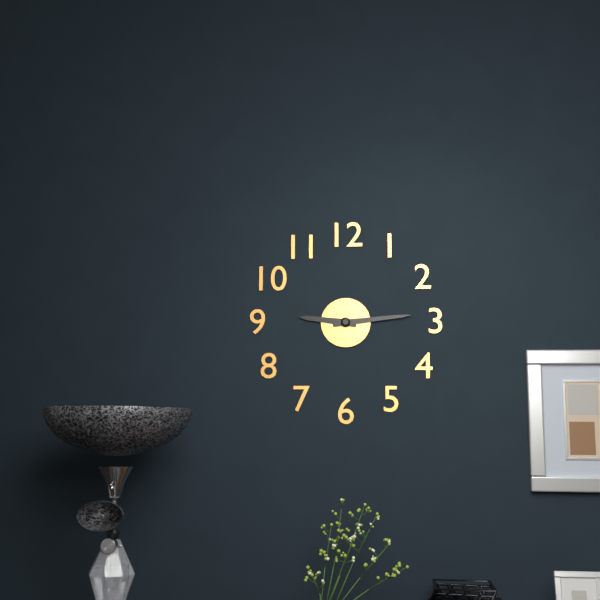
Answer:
{"hour": 9, "minute": 14}
